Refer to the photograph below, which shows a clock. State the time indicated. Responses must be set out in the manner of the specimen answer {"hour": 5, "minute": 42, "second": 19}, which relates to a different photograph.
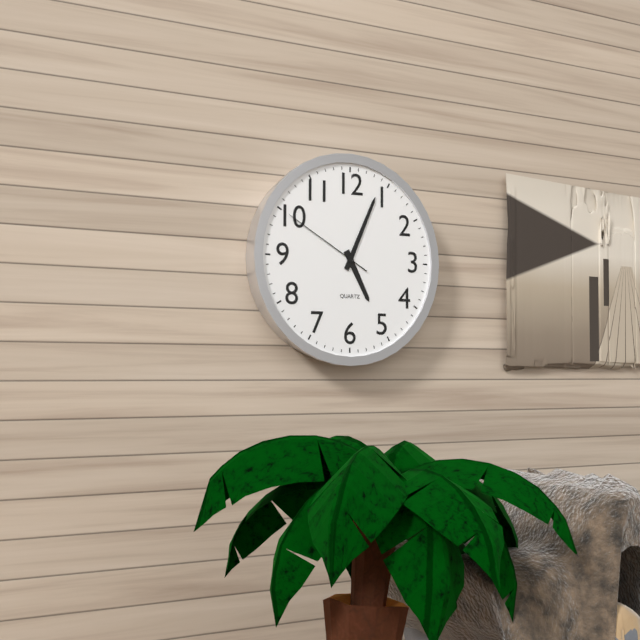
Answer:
{"hour": 5, "minute": 4, "second": 50}
